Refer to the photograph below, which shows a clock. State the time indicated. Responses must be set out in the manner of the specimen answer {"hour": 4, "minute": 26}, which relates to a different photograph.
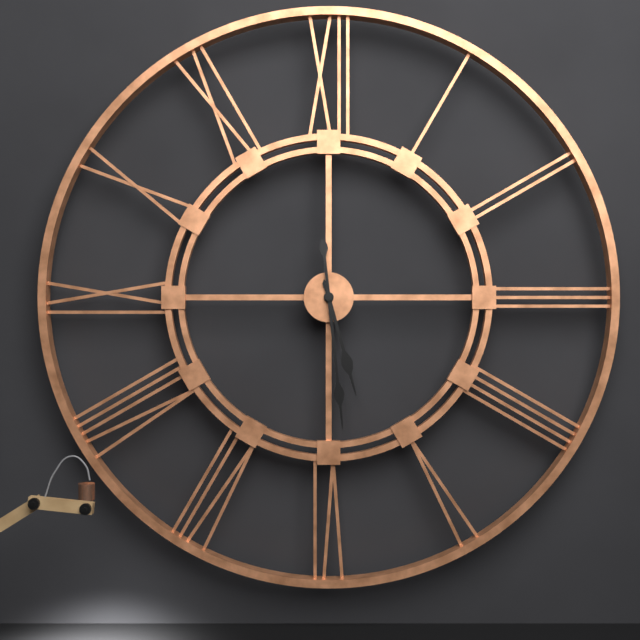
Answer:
{"hour": 5, "minute": 29}
